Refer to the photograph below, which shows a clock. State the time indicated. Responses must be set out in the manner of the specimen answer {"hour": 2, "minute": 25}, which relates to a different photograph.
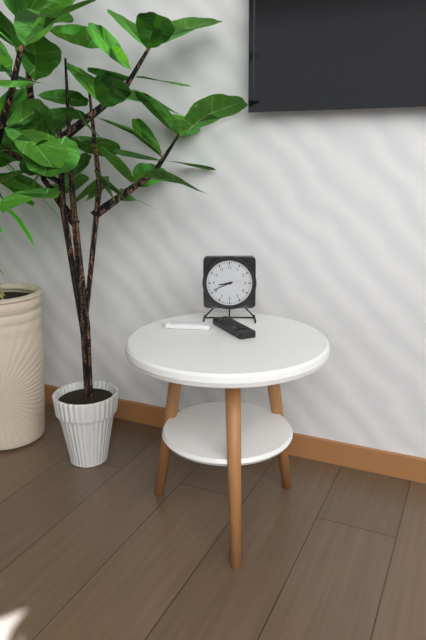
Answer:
{"hour": 8, "minute": 41}
